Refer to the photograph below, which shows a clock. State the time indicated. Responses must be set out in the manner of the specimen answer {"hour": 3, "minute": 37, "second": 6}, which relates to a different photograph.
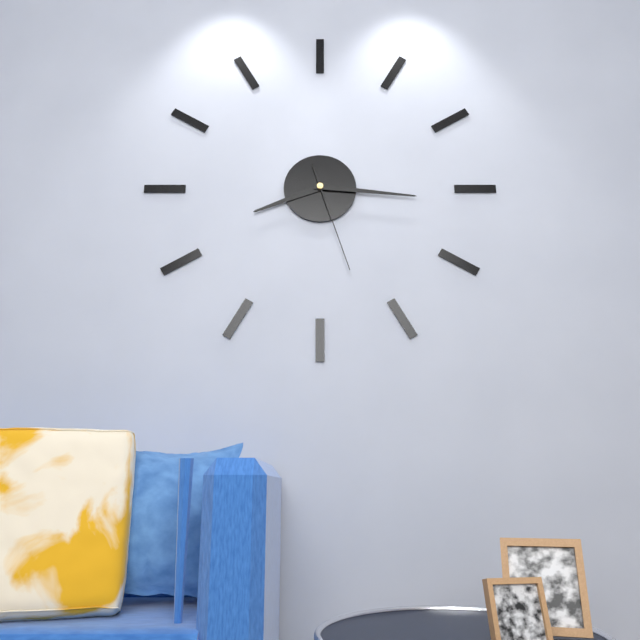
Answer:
{"hour": 8, "minute": 16, "second": 27}
